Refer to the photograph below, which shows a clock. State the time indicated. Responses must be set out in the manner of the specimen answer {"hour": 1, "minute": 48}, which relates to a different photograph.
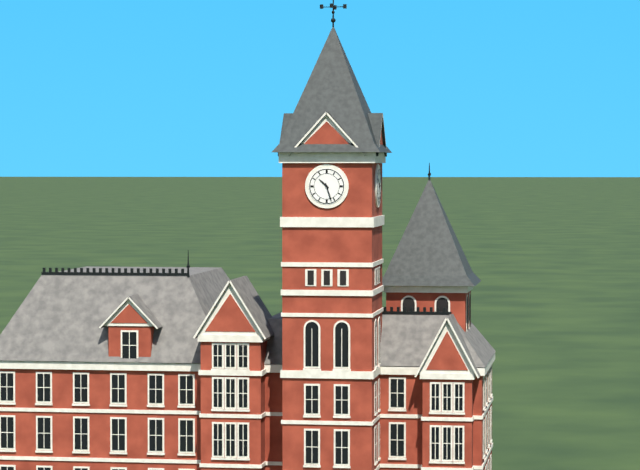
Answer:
{"hour": 10, "minute": 27}
